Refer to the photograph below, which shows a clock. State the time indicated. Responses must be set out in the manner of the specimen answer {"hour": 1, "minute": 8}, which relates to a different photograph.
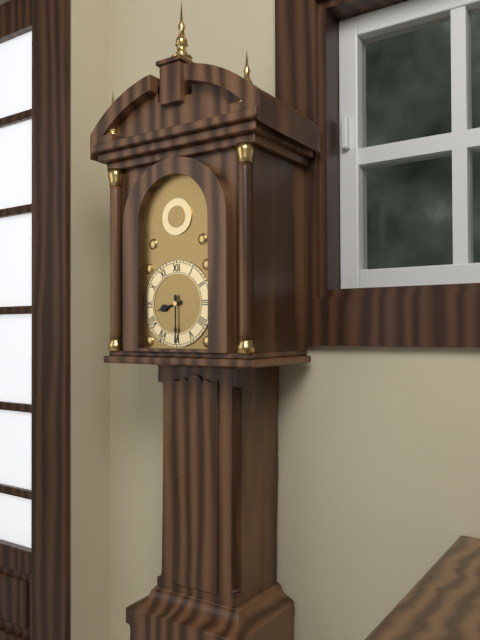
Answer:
{"hour": 8, "minute": 30}
